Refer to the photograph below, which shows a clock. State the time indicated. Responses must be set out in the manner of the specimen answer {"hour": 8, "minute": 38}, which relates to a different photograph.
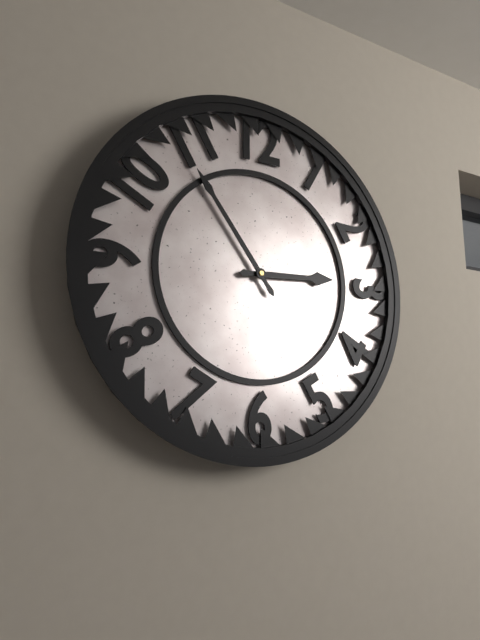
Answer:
{"hour": 2, "minute": 54}
